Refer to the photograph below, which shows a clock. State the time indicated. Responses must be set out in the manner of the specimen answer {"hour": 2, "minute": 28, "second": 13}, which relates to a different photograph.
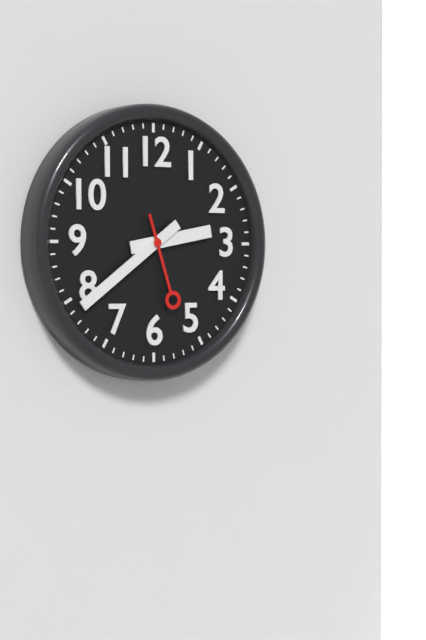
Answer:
{"hour": 2, "minute": 39, "second": 27}
